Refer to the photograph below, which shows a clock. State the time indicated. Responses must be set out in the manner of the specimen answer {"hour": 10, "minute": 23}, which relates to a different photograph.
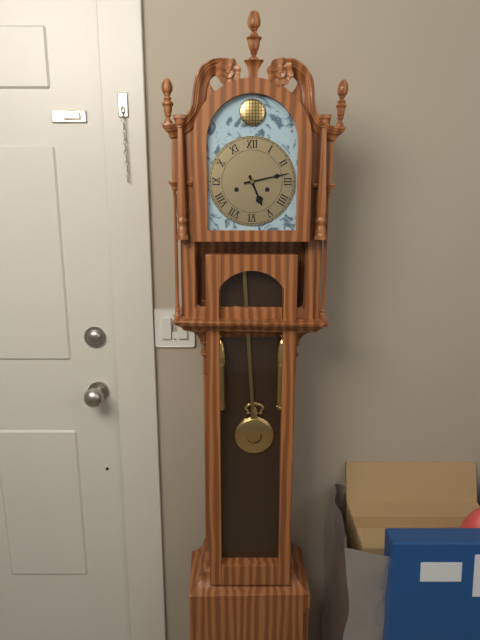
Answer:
{"hour": 5, "minute": 13}
